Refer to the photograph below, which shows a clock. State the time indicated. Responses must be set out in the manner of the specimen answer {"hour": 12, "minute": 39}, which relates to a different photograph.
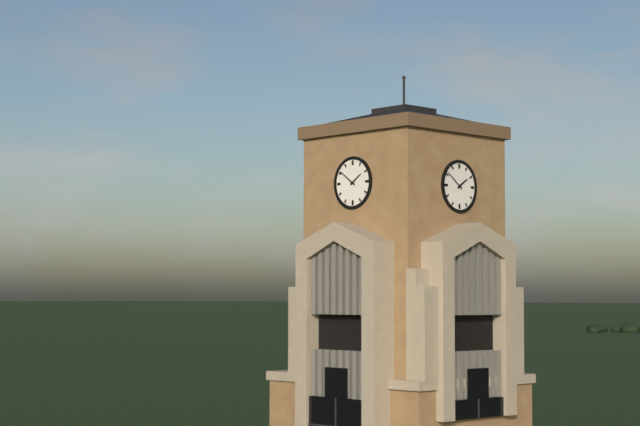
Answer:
{"hour": 1, "minute": 51}
